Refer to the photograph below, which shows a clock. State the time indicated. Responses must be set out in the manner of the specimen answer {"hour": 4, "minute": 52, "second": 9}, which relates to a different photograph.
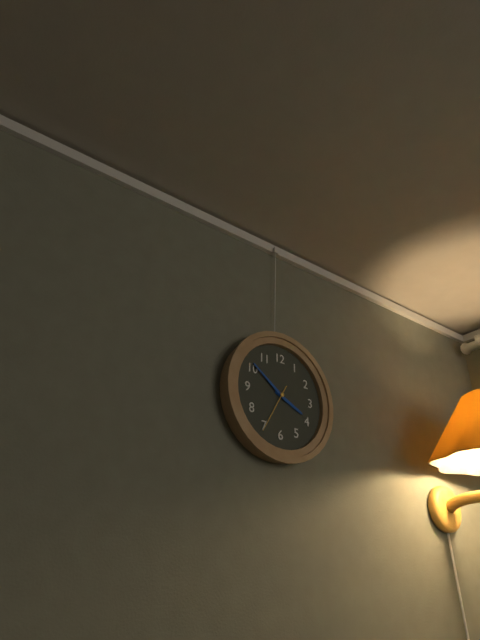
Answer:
{"hour": 3, "minute": 51, "second": 35}
